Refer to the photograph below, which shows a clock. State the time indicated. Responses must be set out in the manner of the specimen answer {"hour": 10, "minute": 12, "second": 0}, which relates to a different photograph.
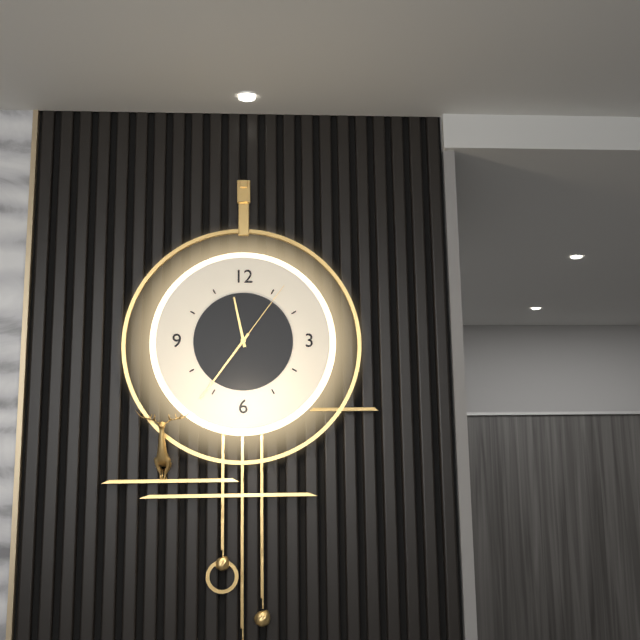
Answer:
{"hour": 11, "minute": 36, "second": 6}
